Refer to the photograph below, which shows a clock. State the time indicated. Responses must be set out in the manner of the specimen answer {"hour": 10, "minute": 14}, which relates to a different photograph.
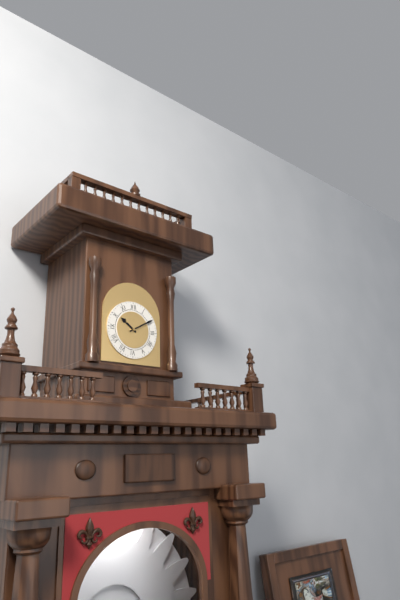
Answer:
{"hour": 10, "minute": 10}
